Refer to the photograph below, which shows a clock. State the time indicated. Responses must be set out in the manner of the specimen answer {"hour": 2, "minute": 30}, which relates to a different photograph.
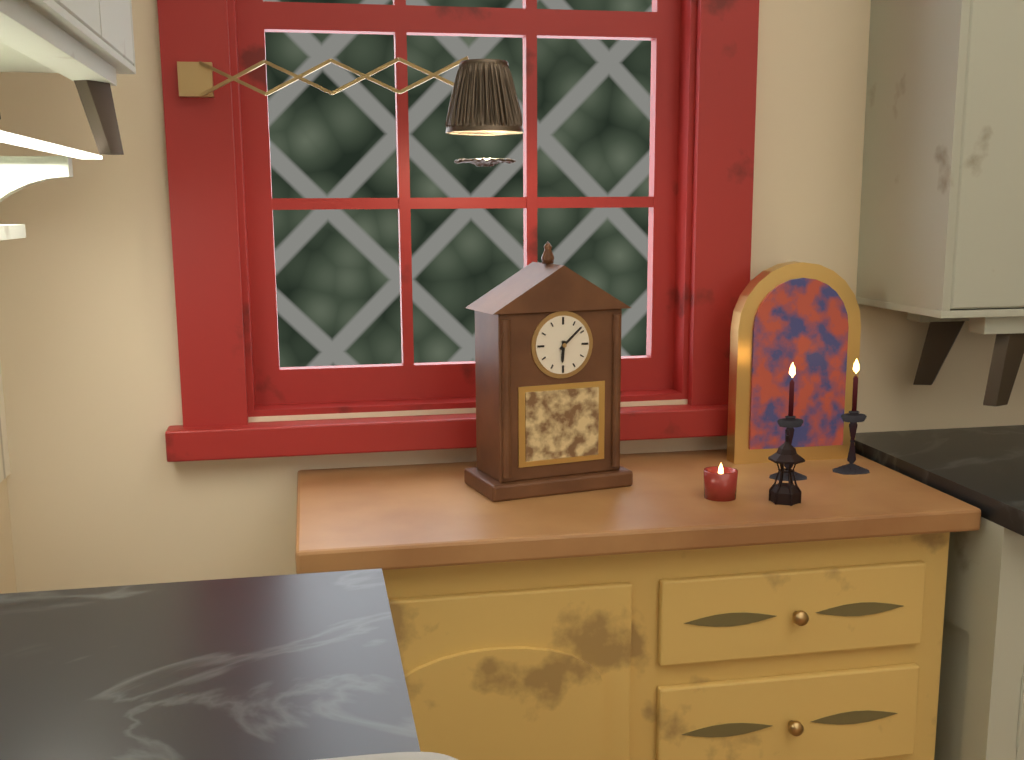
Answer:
{"hour": 6, "minute": 8}
